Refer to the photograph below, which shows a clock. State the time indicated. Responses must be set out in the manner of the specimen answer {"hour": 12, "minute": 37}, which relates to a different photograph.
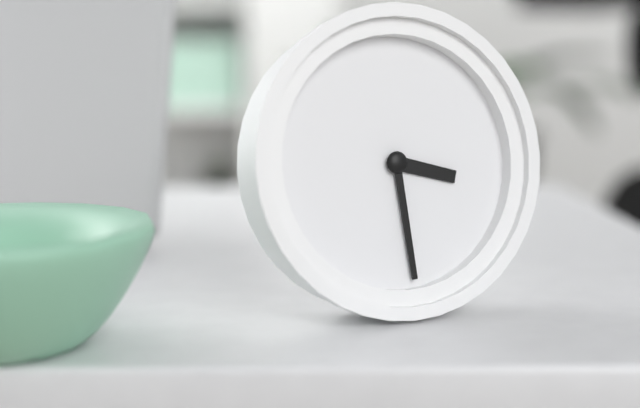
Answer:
{"hour": 3, "minute": 29}
